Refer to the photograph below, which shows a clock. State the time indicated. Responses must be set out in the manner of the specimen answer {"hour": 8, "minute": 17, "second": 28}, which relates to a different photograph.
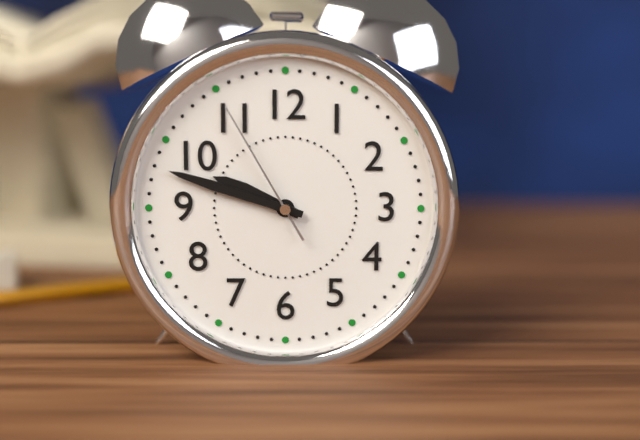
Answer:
{"hour": 9, "minute": 48, "second": 55}
